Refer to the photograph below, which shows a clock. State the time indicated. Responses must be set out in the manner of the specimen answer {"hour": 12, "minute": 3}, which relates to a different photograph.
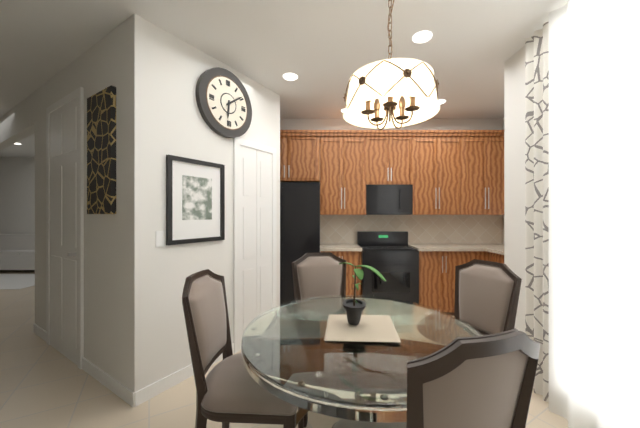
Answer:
{"hour": 6, "minute": 9}
